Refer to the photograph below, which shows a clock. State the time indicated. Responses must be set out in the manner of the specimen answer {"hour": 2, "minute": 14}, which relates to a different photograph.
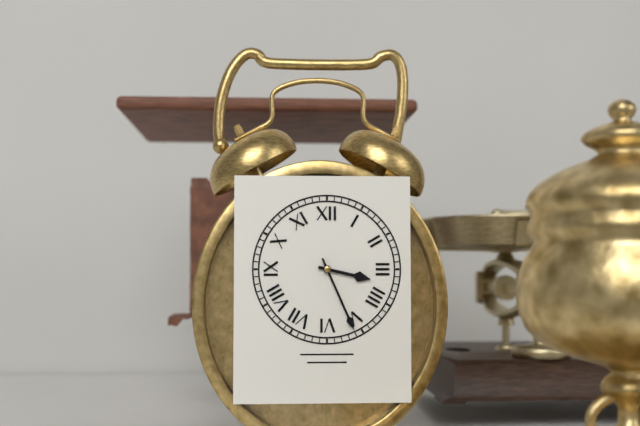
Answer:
{"hour": 3, "minute": 26}
